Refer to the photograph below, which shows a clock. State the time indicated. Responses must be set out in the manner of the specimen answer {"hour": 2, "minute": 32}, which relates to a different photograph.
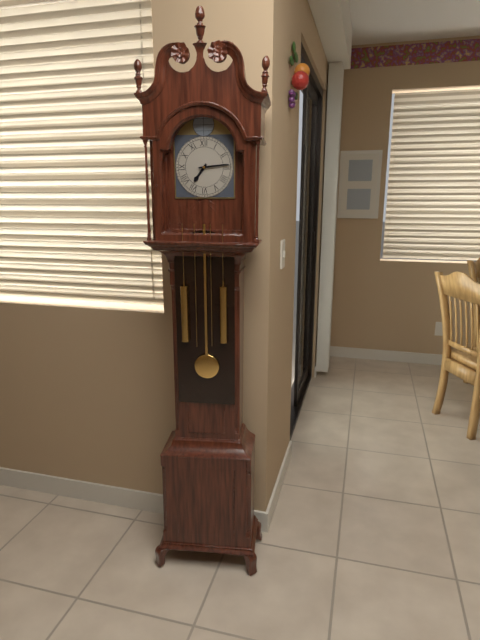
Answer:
{"hour": 7, "minute": 14}
